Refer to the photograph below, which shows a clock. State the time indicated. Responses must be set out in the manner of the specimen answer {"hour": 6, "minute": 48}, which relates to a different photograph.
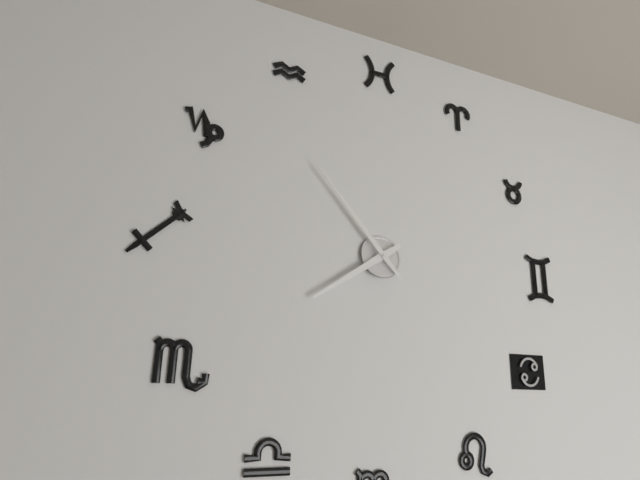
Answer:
{"hour": 7, "minute": 53}
